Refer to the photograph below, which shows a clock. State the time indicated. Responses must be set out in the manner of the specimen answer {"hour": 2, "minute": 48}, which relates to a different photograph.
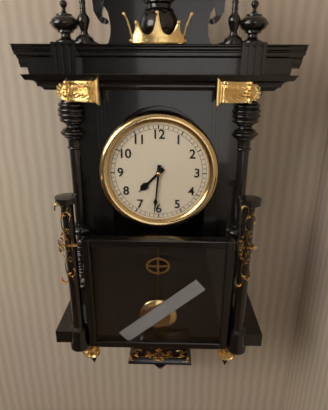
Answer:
{"hour": 7, "minute": 31}
